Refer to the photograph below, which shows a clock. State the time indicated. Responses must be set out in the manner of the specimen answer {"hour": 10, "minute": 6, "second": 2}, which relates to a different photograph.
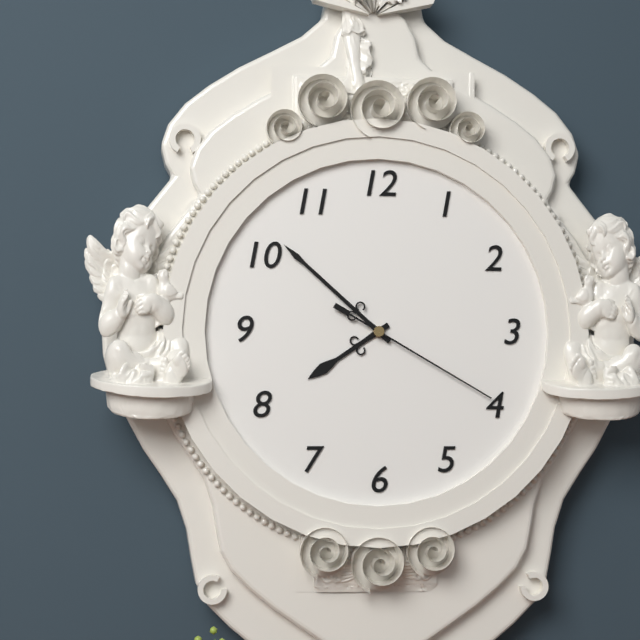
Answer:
{"hour": 7, "minute": 52, "second": 20}
